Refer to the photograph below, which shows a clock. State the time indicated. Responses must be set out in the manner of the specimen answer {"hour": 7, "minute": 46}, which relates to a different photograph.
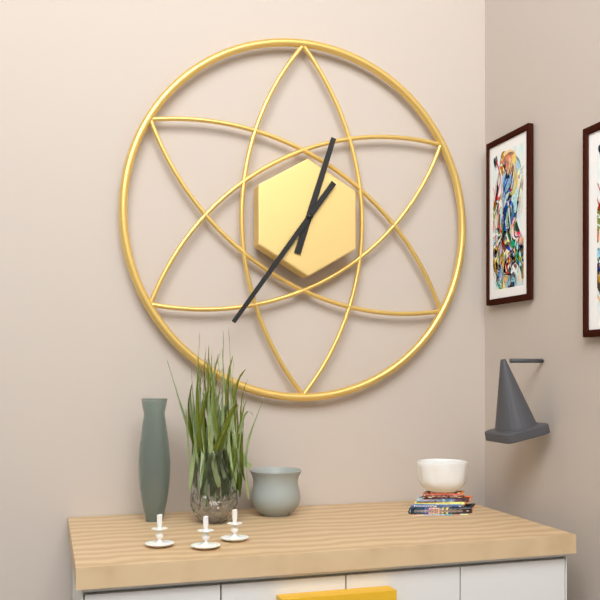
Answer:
{"hour": 12, "minute": 36}
